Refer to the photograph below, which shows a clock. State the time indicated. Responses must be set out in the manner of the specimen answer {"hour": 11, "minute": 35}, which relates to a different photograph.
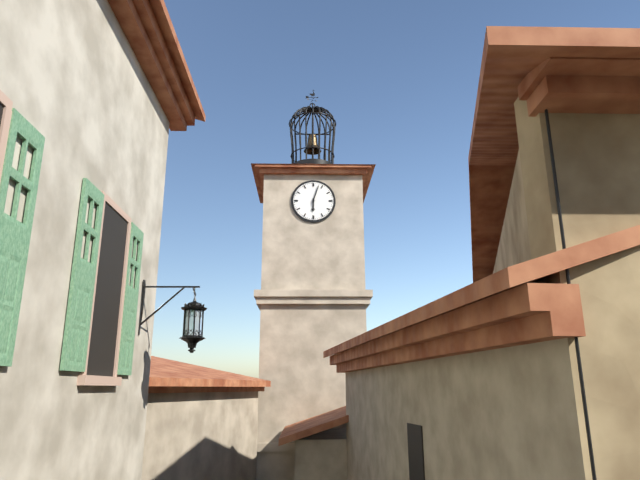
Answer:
{"hour": 6, "minute": 3}
